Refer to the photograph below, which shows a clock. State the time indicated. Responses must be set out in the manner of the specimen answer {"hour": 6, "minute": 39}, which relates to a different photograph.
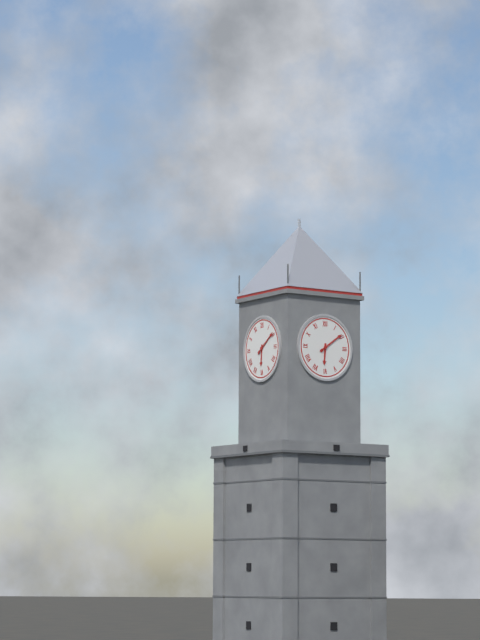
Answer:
{"hour": 6, "minute": 9}
